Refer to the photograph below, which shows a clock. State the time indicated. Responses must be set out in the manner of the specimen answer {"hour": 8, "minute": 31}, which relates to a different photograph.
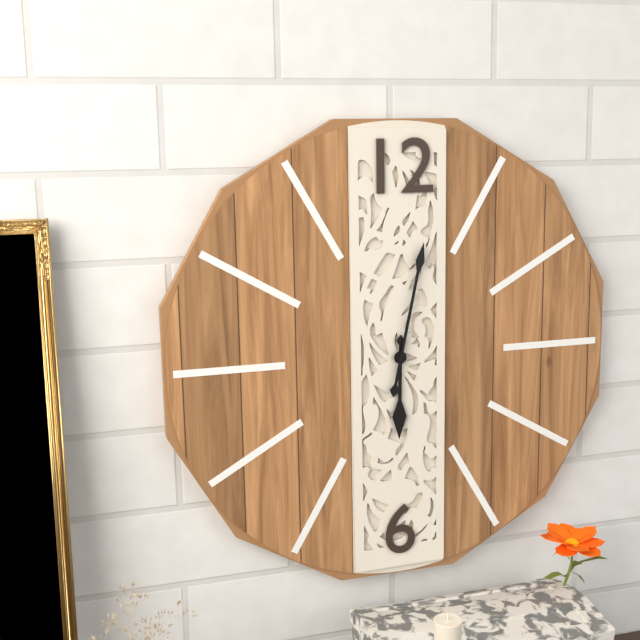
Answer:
{"hour": 6, "minute": 2}
